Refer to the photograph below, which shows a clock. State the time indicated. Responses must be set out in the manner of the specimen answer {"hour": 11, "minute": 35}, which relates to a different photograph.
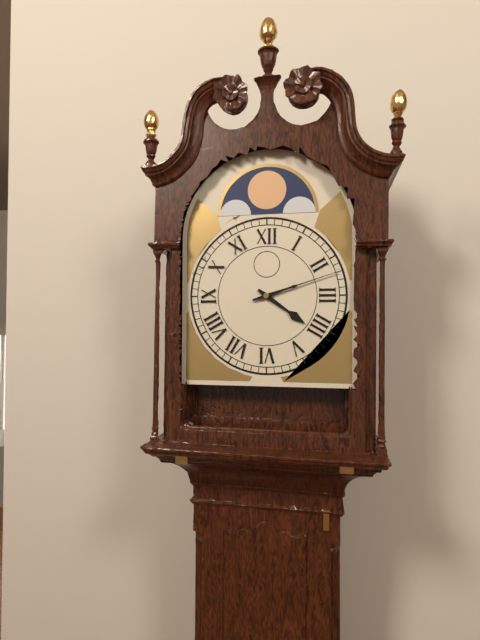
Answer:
{"hour": 4, "minute": 12}
